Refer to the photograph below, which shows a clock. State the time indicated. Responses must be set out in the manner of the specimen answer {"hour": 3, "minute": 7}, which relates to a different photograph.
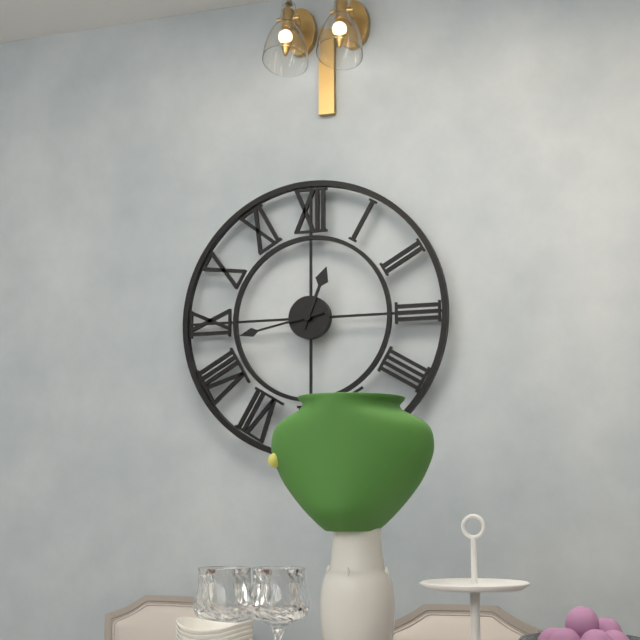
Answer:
{"hour": 12, "minute": 43}
